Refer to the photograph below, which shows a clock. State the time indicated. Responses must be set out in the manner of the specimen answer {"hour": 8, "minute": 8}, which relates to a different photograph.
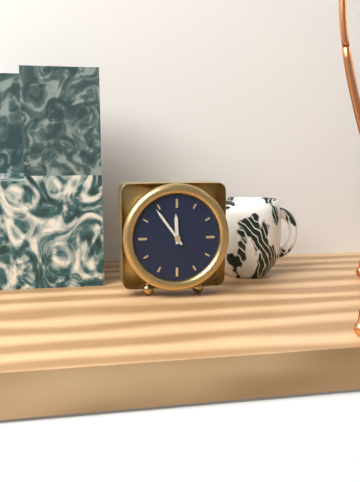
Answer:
{"hour": 11, "minute": 54}
